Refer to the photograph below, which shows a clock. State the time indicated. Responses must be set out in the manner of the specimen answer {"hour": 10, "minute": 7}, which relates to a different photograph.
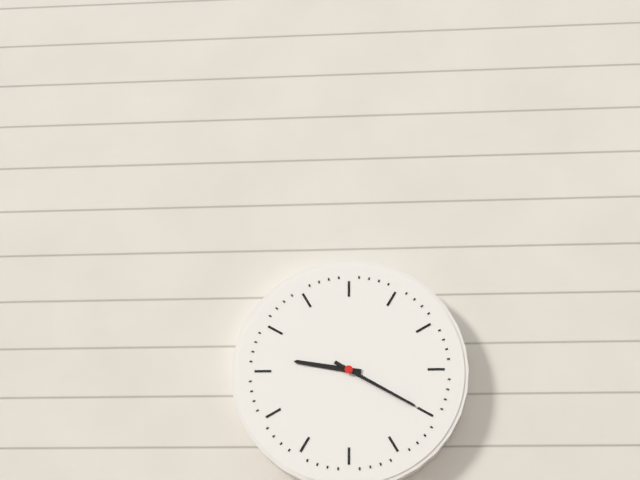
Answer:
{"hour": 9, "minute": 20}
